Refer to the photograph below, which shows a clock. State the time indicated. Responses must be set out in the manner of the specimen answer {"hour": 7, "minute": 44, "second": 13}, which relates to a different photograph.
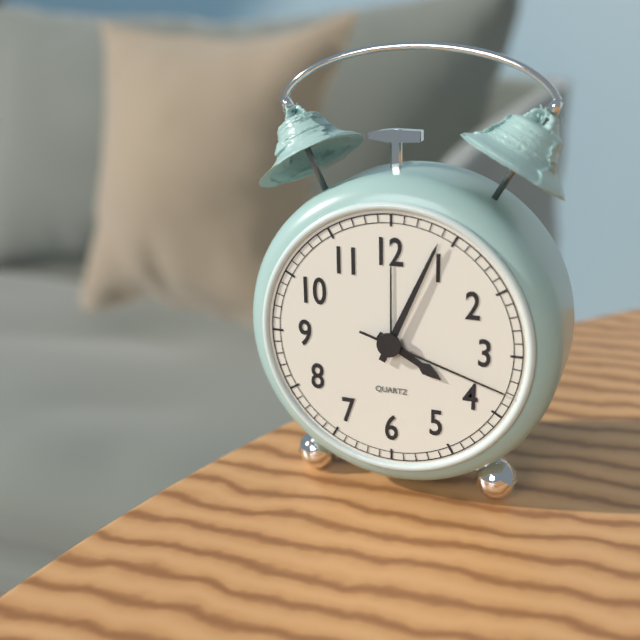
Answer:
{"hour": 4, "minute": 4, "second": 18}
